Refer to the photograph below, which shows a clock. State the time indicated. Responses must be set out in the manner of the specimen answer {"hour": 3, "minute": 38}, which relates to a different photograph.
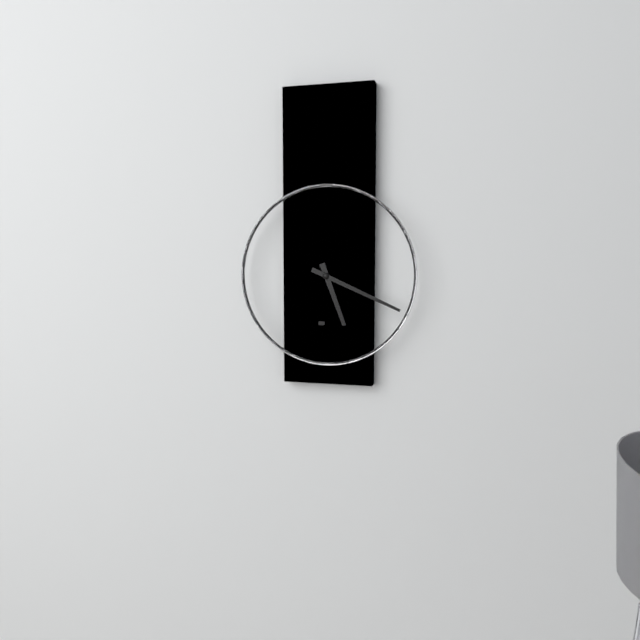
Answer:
{"hour": 5, "minute": 19}
